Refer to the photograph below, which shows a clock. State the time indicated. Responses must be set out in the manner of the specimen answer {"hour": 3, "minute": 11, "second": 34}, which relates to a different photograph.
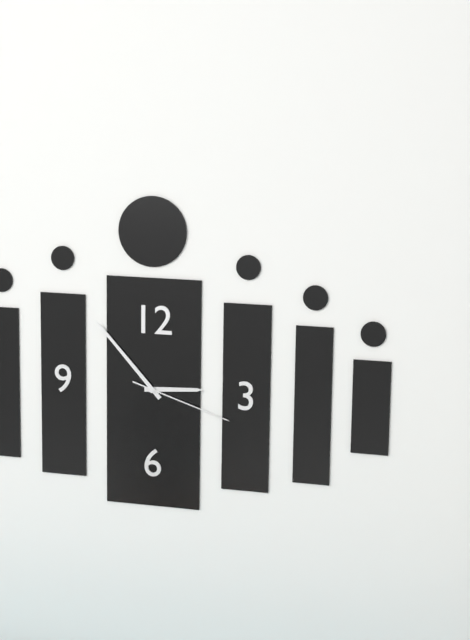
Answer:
{"hour": 2, "minute": 53, "second": 18}
